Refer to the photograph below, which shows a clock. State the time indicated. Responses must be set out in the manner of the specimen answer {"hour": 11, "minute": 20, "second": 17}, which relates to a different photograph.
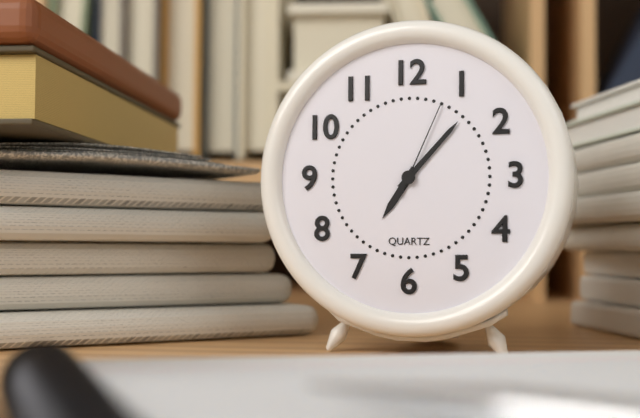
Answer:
{"hour": 7, "minute": 7, "second": 4}
